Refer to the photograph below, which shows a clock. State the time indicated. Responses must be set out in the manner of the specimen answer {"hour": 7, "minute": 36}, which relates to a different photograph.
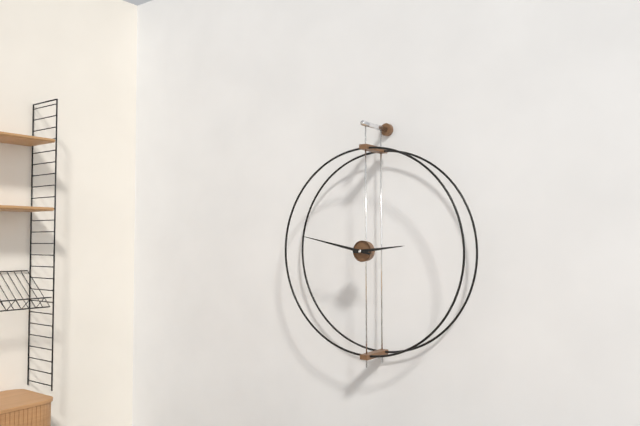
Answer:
{"hour": 2, "minute": 47}
